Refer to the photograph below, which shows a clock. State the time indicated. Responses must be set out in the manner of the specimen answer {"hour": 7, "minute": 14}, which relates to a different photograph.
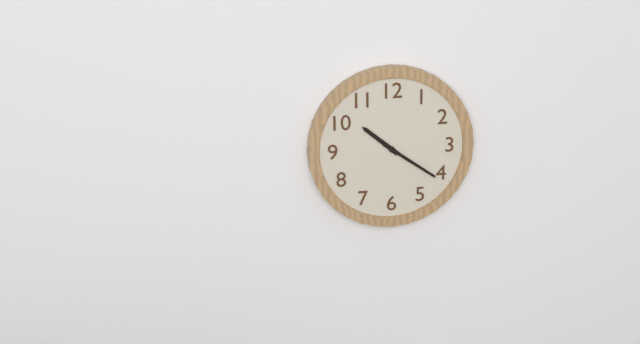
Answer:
{"hour": 10, "minute": 21}
